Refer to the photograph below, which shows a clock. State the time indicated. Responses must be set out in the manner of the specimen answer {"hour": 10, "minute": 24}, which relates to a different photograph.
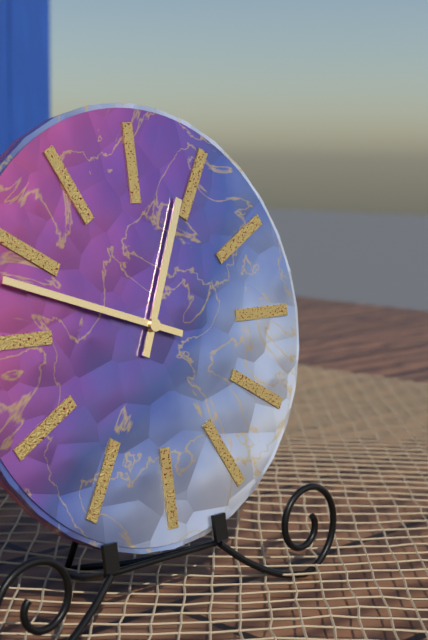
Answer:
{"hour": 12, "minute": 48}
